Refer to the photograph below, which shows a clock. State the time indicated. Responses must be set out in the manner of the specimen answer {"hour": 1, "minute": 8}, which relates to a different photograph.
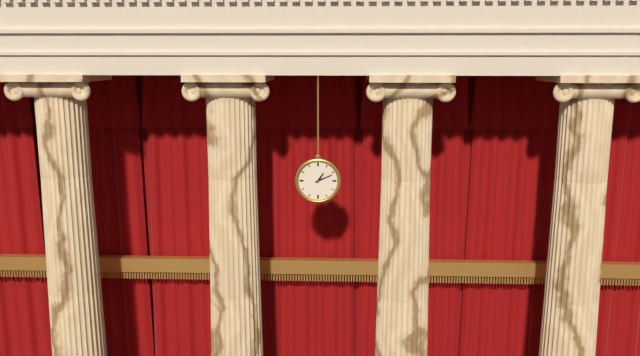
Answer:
{"hour": 1, "minute": 11}
